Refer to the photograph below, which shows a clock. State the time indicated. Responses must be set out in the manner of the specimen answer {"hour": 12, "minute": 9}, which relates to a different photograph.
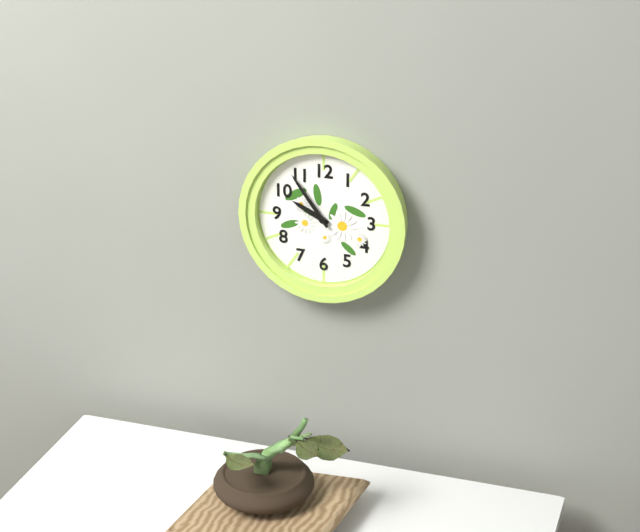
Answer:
{"hour": 9, "minute": 54}
